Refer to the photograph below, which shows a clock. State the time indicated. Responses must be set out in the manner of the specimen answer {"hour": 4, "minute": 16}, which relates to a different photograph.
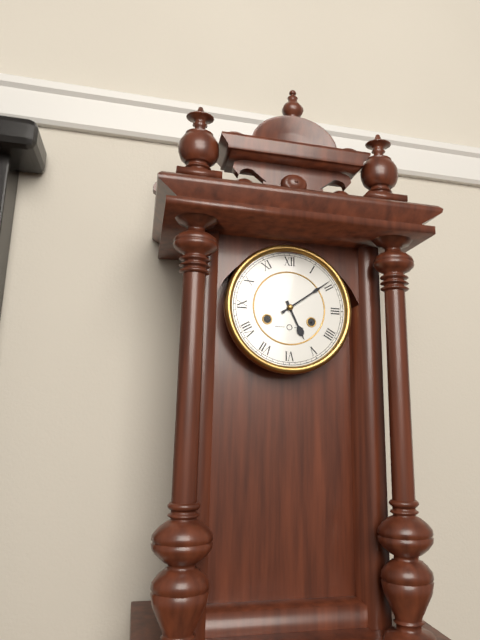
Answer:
{"hour": 5, "minute": 9}
